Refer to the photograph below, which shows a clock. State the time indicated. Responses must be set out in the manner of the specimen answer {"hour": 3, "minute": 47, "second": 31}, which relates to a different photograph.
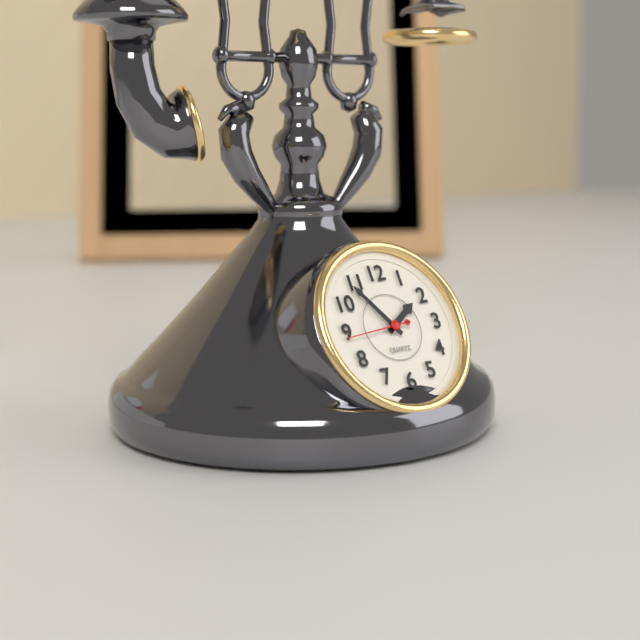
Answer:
{"hour": 1, "minute": 54, "second": 44}
